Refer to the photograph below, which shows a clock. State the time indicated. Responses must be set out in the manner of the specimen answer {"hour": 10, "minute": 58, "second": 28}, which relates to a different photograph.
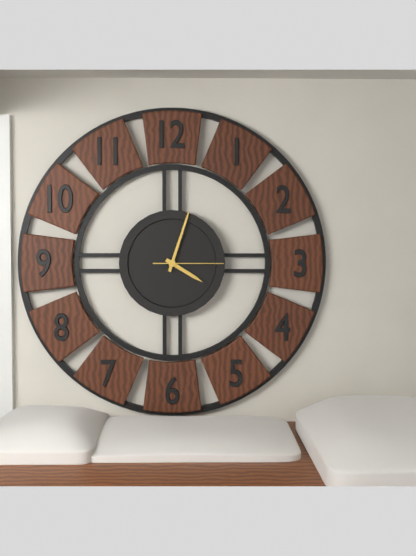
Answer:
{"hour": 4, "minute": 3, "second": 15}
